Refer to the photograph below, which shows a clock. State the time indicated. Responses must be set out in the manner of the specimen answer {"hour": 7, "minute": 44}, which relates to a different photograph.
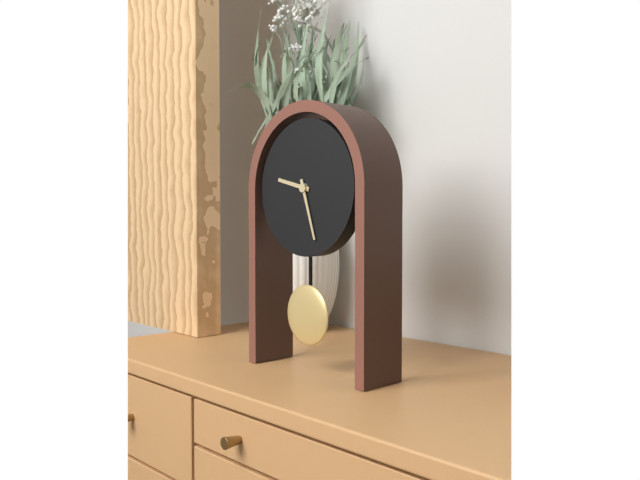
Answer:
{"hour": 9, "minute": 27}
